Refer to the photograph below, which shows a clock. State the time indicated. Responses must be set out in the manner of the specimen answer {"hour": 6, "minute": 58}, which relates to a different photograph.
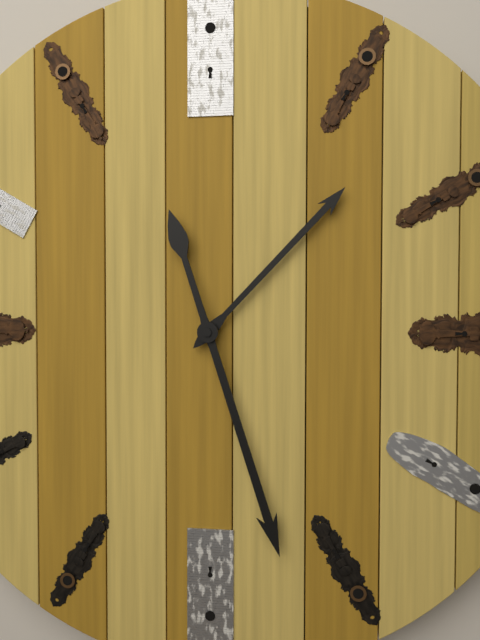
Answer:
{"hour": 1, "minute": 27}
